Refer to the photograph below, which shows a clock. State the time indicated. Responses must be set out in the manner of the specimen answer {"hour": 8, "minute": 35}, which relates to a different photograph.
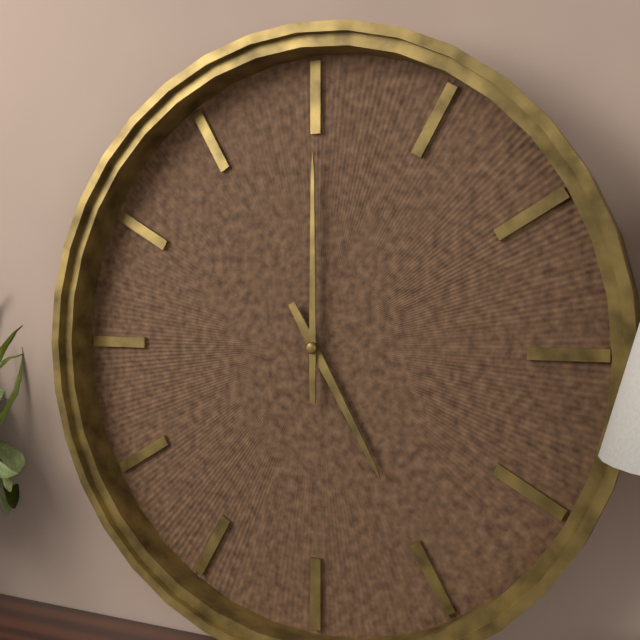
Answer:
{"hour": 5, "minute": 0}
